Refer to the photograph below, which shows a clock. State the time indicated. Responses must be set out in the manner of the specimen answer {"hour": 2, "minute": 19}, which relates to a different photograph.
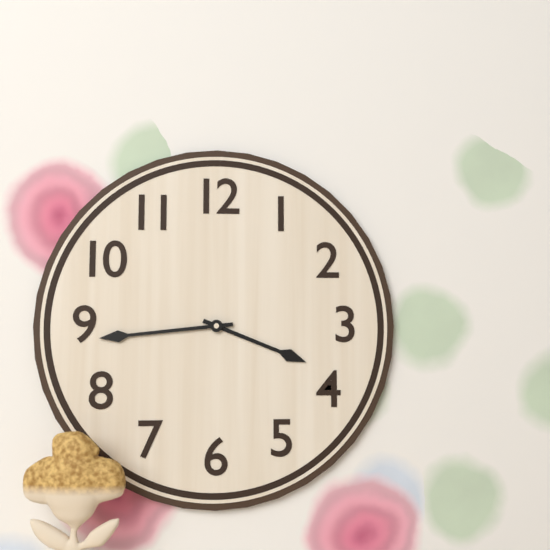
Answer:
{"hour": 3, "minute": 44}
